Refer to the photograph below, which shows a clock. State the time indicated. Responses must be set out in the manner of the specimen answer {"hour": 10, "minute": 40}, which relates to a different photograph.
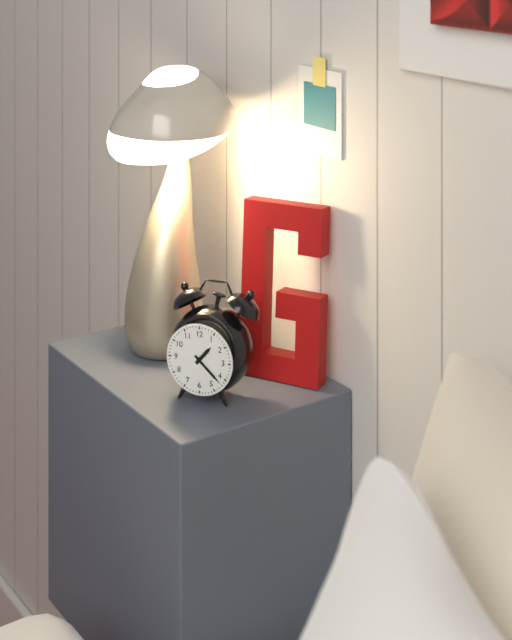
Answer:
{"hour": 1, "minute": 22}
